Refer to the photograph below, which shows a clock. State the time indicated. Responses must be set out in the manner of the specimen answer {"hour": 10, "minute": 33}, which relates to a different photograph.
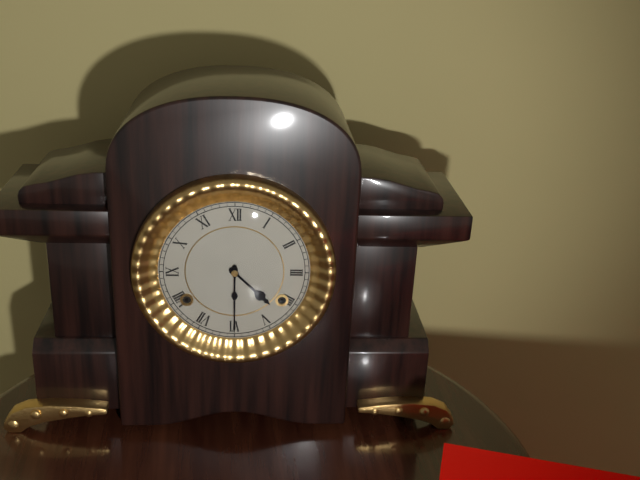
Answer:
{"hour": 4, "minute": 30}
